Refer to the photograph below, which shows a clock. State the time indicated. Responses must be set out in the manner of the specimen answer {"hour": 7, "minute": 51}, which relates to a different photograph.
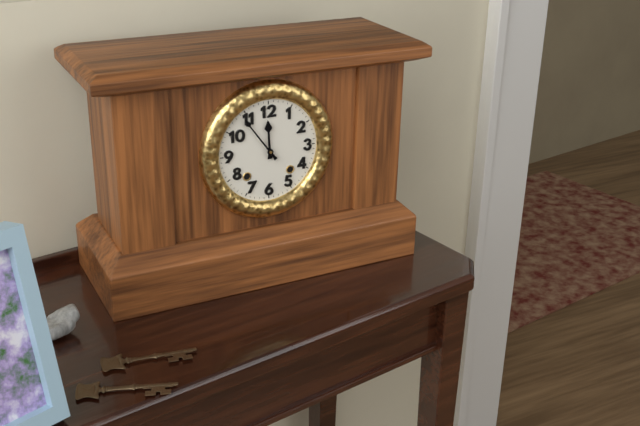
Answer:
{"hour": 11, "minute": 54}
